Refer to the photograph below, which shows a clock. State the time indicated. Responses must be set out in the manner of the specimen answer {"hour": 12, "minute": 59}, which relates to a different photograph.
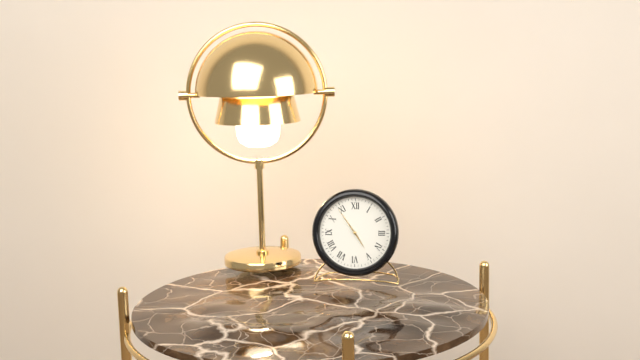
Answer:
{"hour": 4, "minute": 54}
